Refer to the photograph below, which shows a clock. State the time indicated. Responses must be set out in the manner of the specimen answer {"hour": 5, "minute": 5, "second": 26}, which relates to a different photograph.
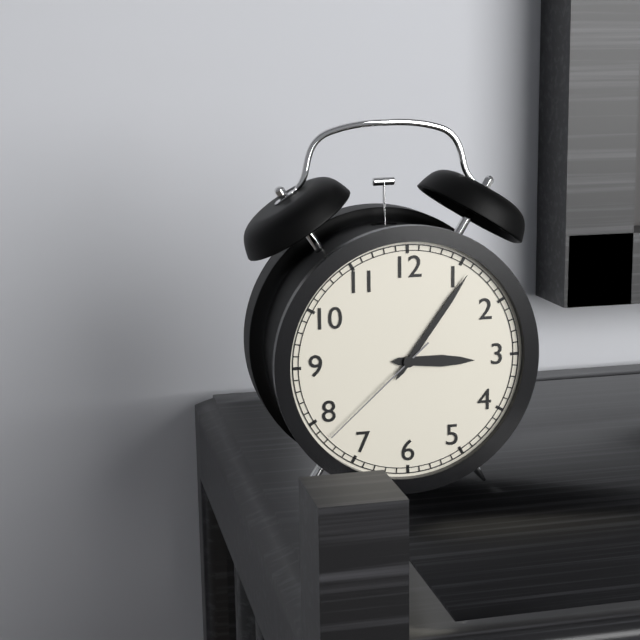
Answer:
{"hour": 3, "minute": 6, "second": 38}
